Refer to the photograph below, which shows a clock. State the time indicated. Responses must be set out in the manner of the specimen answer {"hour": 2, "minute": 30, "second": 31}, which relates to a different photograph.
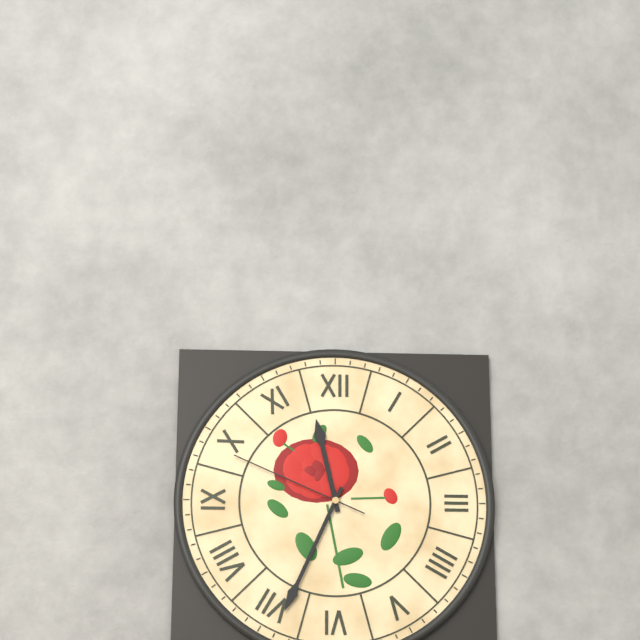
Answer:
{"hour": 11, "minute": 34, "second": 49}
